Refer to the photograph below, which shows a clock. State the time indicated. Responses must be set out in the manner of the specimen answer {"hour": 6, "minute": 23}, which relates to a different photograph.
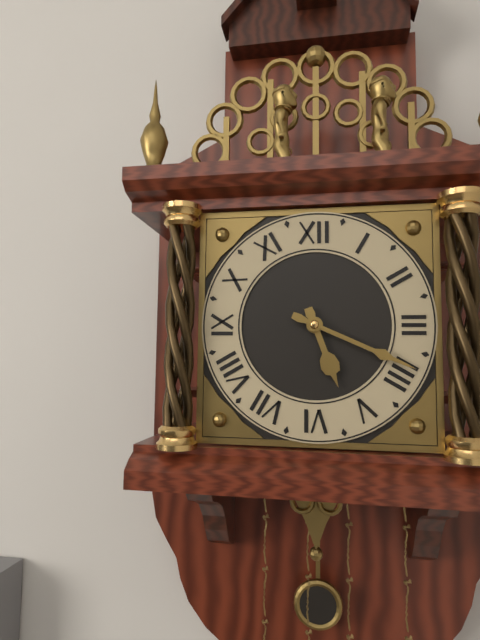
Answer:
{"hour": 5, "minute": 19}
